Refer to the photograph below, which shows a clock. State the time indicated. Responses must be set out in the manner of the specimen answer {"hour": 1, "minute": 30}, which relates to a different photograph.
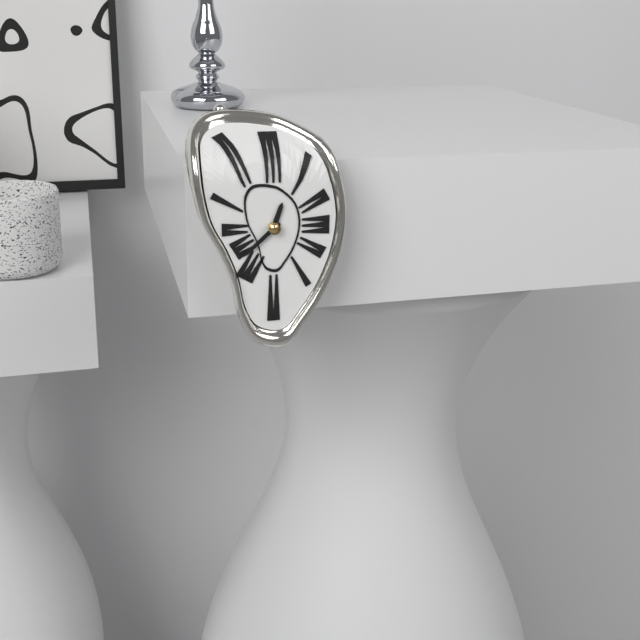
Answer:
{"hour": 12, "minute": 38}
